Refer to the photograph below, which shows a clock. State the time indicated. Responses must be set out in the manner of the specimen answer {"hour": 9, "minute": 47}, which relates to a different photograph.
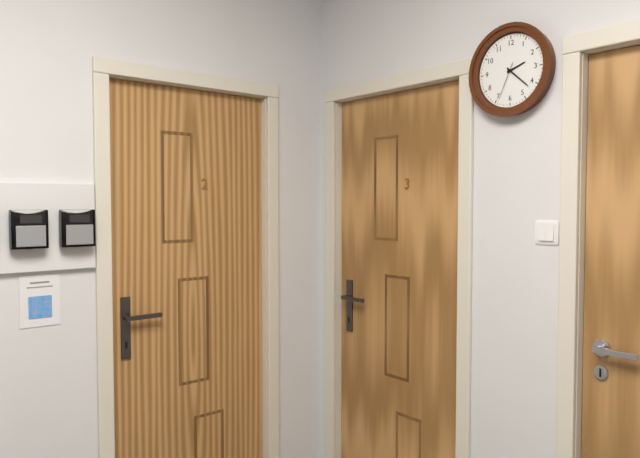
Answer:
{"hour": 2, "minute": 22}
